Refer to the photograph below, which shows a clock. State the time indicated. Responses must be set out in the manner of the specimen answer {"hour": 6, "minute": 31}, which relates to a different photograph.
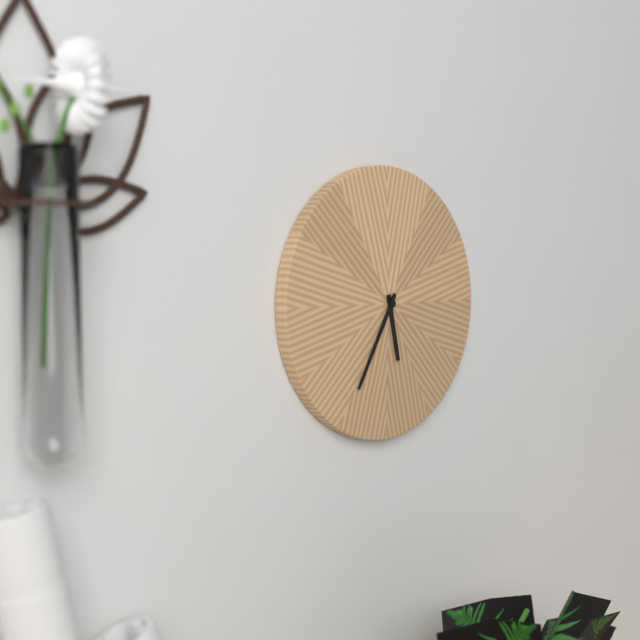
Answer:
{"hour": 5, "minute": 35}
